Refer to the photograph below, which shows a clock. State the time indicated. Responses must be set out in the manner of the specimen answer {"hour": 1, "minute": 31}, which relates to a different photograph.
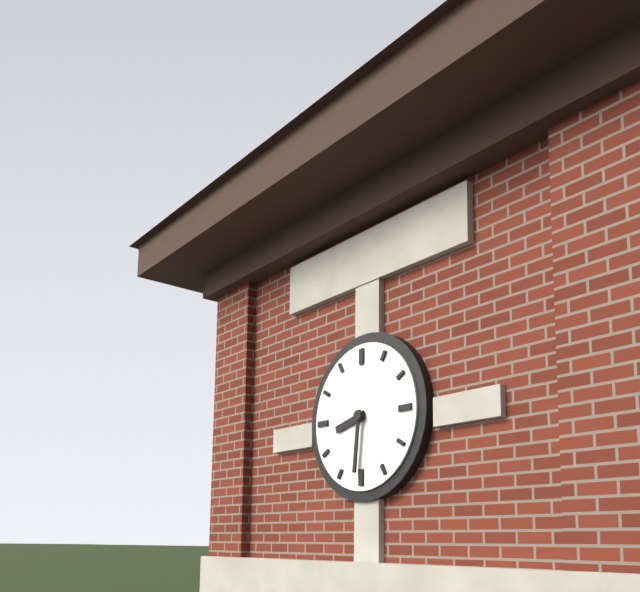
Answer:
{"hour": 8, "minute": 31}
